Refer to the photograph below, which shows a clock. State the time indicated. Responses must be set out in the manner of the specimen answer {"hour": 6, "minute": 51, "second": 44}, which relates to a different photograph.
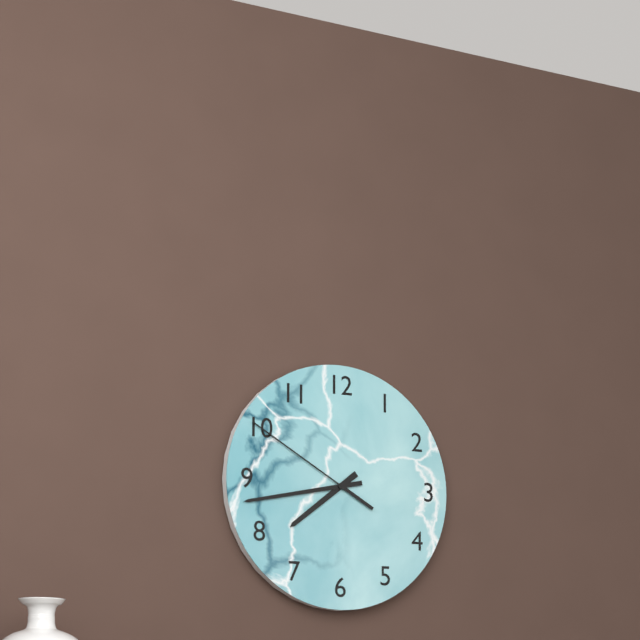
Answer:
{"hour": 7, "minute": 43, "second": 50}
